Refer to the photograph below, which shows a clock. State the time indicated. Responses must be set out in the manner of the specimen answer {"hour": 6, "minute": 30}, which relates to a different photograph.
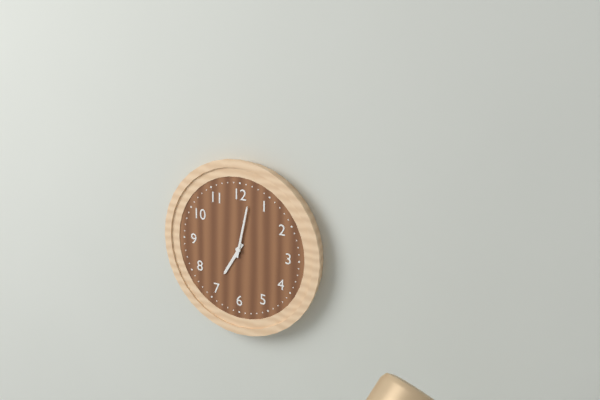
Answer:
{"hour": 7, "minute": 2}
